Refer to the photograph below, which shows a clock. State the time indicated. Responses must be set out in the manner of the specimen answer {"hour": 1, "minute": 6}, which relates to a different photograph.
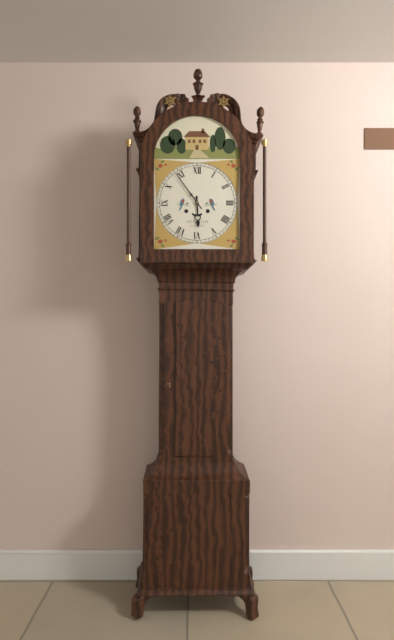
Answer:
{"hour": 5, "minute": 54}
